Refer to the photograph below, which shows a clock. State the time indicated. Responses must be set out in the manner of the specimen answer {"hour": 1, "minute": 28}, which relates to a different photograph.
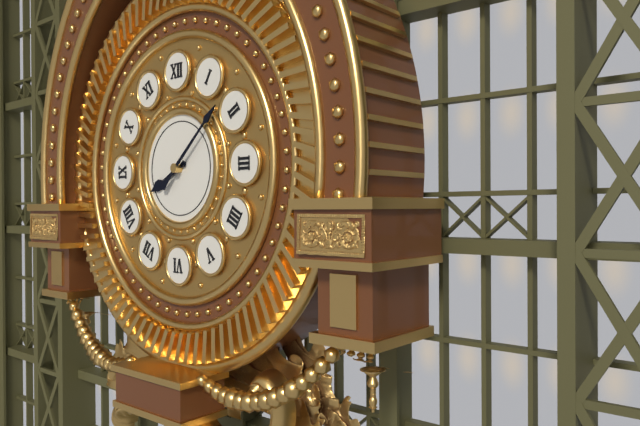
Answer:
{"hour": 8, "minute": 8}
